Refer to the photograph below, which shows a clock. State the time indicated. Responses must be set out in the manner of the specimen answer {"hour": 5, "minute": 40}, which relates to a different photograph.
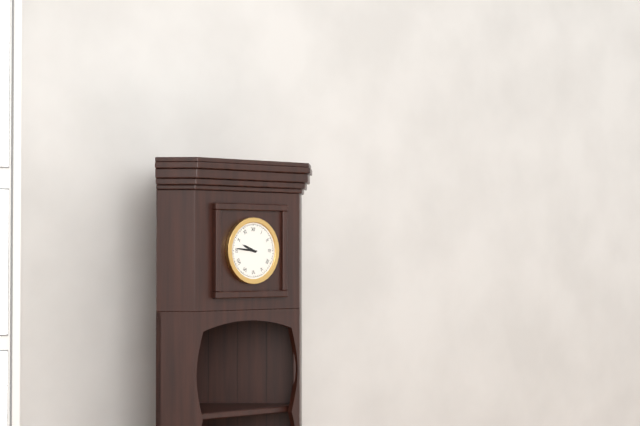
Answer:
{"hour": 9, "minute": 46}
